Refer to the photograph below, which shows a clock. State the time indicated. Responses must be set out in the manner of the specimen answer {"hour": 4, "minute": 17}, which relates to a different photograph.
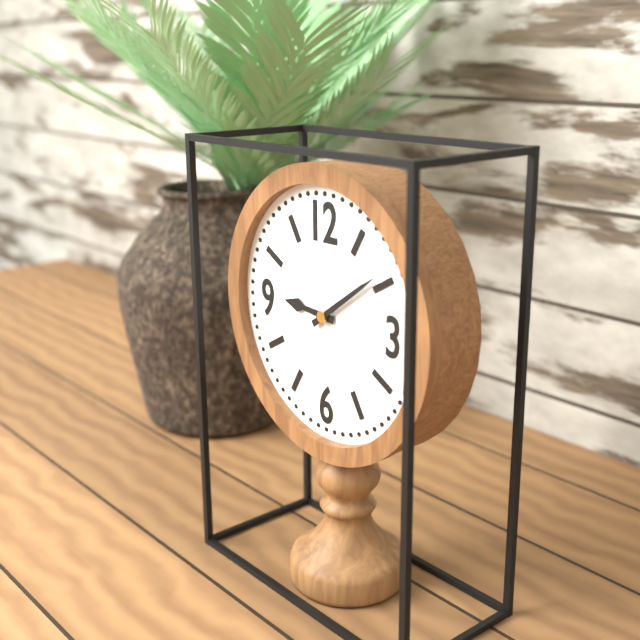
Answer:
{"hour": 9, "minute": 9}
